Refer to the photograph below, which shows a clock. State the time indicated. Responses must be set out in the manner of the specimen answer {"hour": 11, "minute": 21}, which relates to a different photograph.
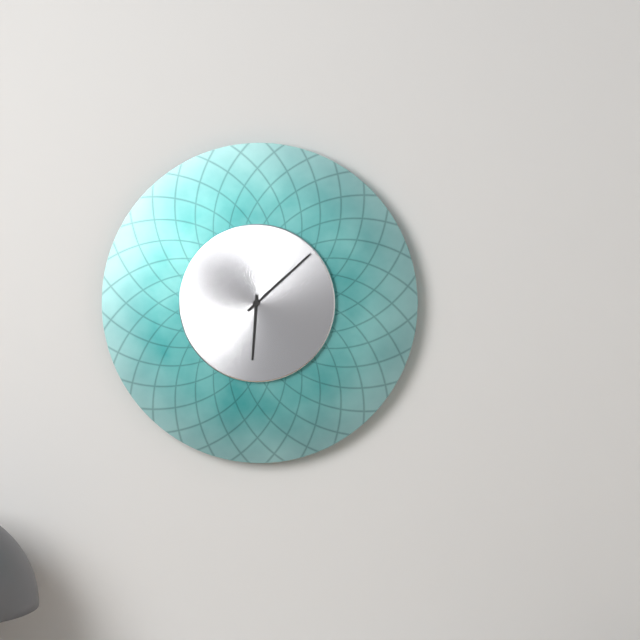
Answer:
{"hour": 6, "minute": 8}
